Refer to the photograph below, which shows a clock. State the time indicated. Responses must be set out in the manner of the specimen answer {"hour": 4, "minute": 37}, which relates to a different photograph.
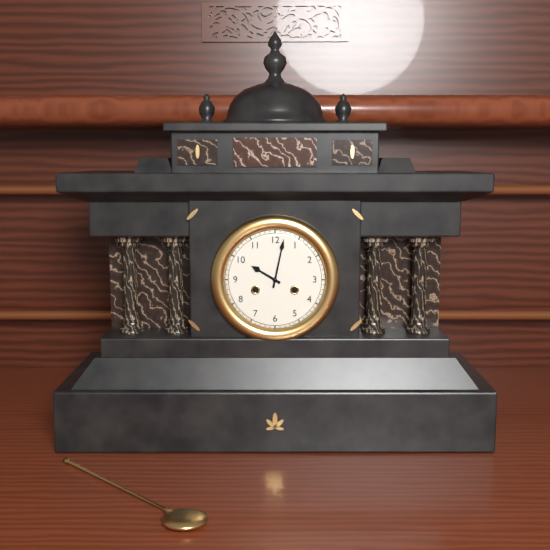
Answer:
{"hour": 10, "minute": 2}
